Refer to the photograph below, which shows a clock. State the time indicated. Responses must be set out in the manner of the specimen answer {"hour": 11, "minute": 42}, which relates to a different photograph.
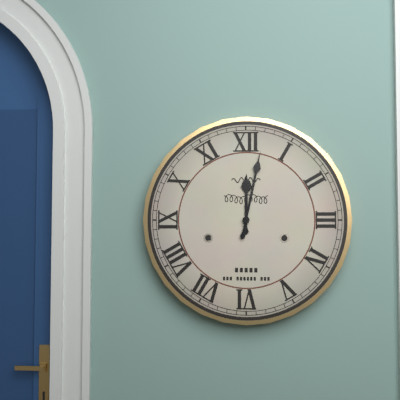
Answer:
{"hour": 12, "minute": 2}
